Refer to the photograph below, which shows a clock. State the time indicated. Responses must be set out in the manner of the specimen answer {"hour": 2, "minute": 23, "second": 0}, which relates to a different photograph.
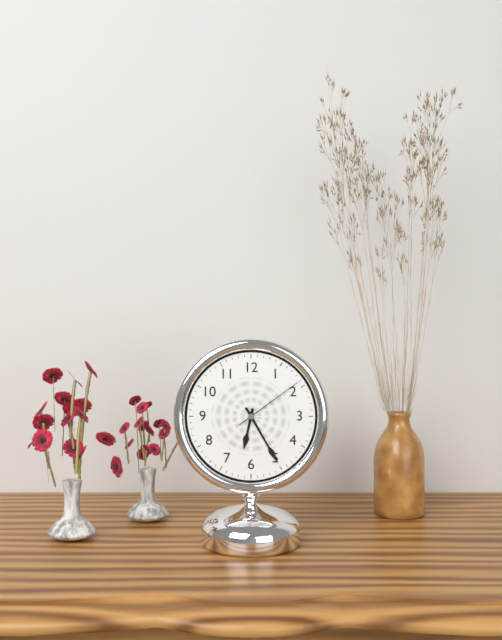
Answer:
{"hour": 6, "minute": 25, "second": 9}
